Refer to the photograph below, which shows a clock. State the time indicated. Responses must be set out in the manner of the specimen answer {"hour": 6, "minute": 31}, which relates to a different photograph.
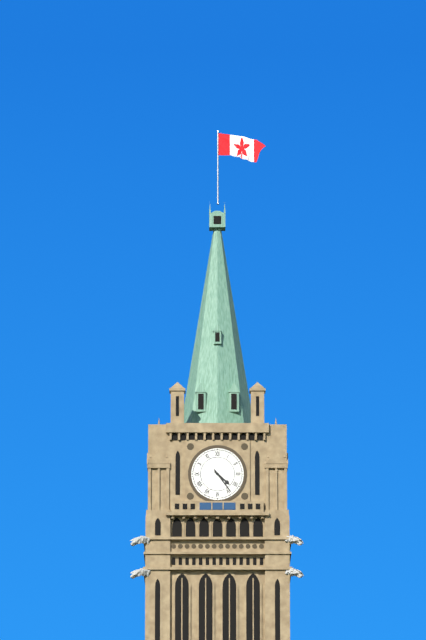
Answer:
{"hour": 4, "minute": 24}
